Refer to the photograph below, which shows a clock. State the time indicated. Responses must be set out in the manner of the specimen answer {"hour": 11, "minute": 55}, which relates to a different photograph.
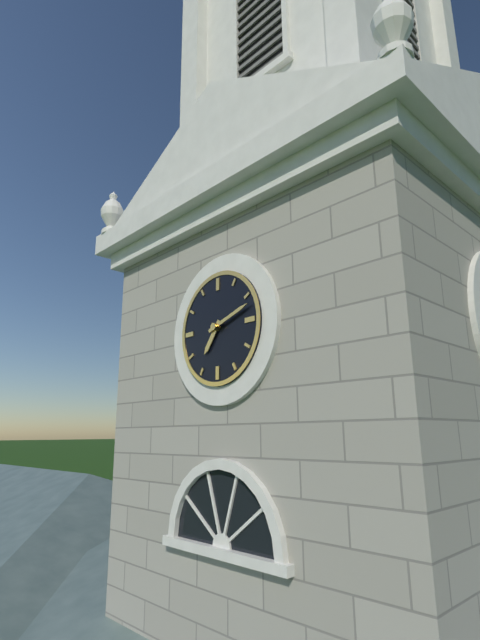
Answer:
{"hour": 7, "minute": 12}
